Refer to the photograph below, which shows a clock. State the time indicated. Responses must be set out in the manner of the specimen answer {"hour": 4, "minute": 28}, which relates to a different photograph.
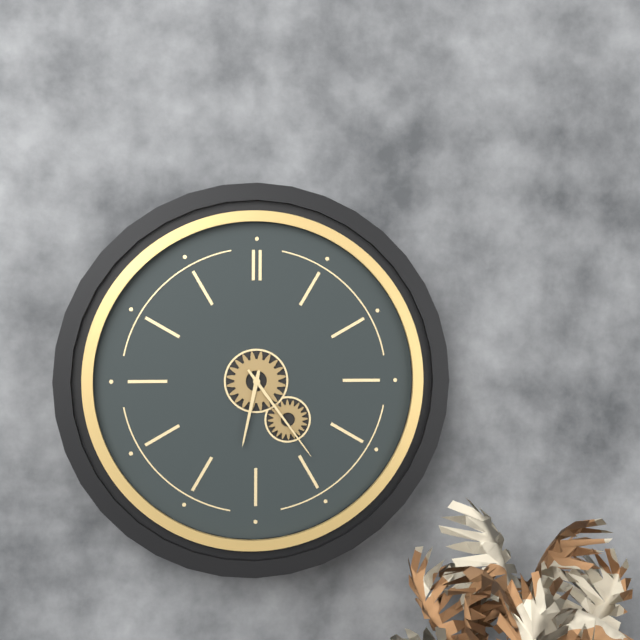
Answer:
{"hour": 6, "minute": 24}
